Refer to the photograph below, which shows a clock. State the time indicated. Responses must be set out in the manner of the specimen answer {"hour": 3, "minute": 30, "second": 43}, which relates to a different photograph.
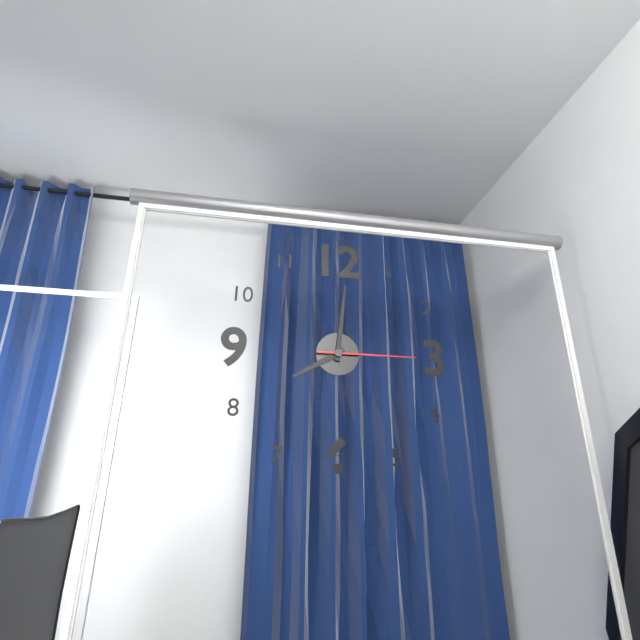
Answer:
{"hour": 8, "minute": 1, "second": 15}
